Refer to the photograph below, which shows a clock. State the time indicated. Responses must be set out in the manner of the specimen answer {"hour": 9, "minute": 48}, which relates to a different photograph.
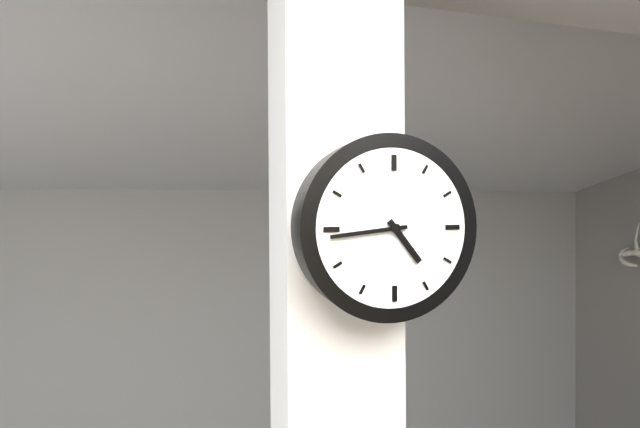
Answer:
{"hour": 4, "minute": 44}
